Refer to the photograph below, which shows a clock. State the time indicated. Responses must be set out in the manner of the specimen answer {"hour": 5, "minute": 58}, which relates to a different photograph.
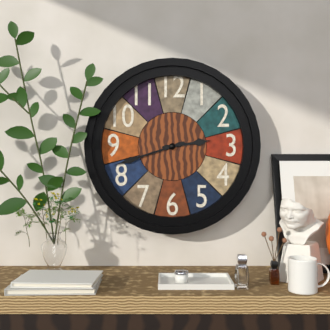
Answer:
{"hour": 2, "minute": 42}
